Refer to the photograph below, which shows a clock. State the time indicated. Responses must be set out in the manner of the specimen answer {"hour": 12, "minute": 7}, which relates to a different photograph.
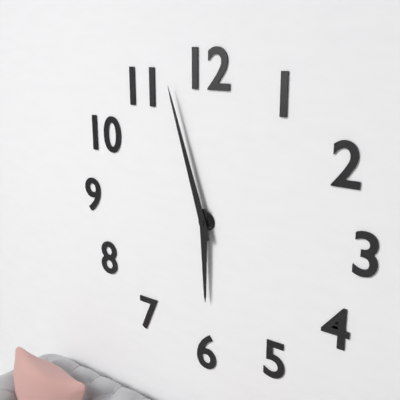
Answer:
{"hour": 5, "minute": 57}
